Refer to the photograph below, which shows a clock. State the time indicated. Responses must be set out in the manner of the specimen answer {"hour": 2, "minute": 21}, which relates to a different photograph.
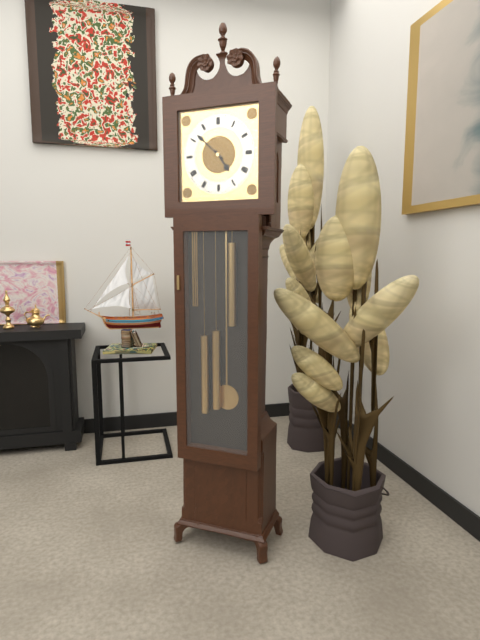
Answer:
{"hour": 4, "minute": 52}
